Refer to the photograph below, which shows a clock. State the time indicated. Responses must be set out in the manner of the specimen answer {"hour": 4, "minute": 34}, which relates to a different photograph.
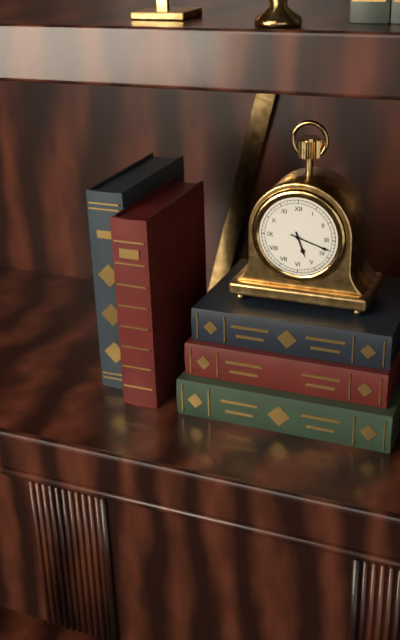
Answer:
{"hour": 5, "minute": 18}
